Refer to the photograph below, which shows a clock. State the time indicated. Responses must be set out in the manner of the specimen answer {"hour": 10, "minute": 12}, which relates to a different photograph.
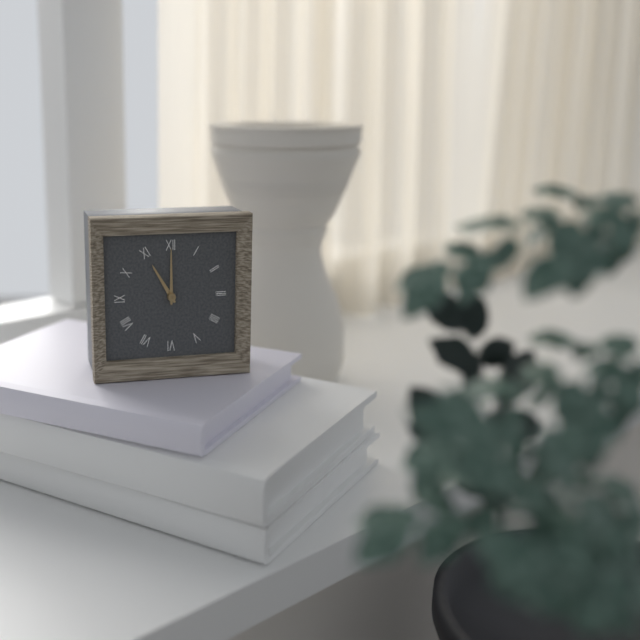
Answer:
{"hour": 11, "minute": 0}
